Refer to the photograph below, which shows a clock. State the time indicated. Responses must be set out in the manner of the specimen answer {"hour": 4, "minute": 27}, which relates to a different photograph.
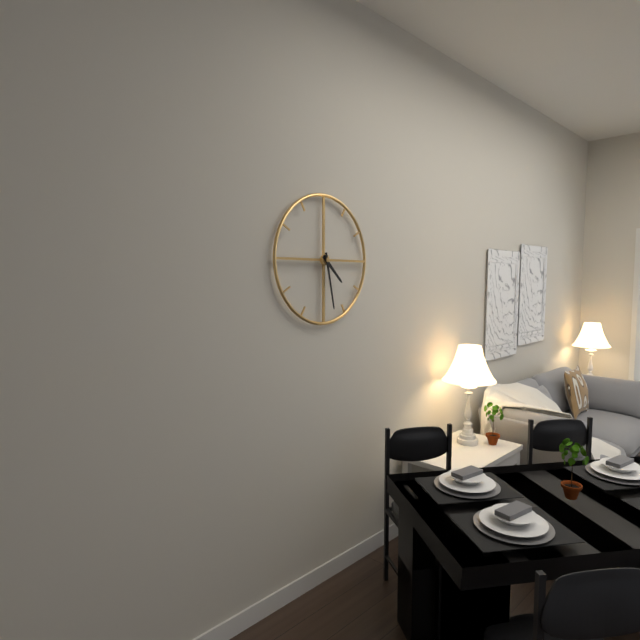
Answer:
{"hour": 4, "minute": 28}
